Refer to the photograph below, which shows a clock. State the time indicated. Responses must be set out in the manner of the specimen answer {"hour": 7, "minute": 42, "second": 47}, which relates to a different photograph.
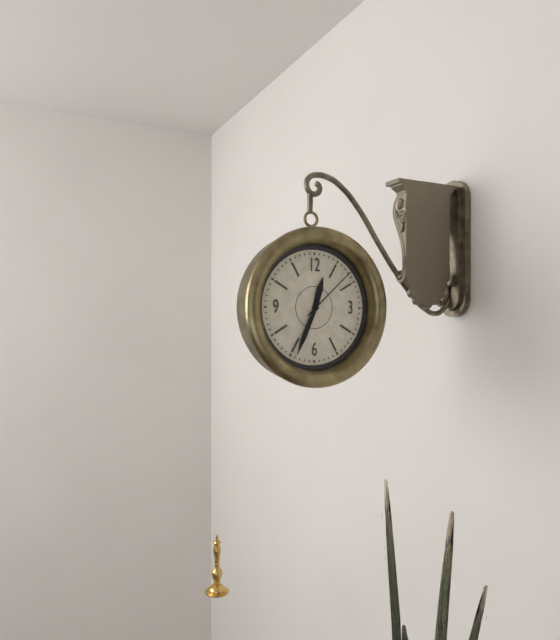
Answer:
{"hour": 12, "minute": 34, "second": 8}
